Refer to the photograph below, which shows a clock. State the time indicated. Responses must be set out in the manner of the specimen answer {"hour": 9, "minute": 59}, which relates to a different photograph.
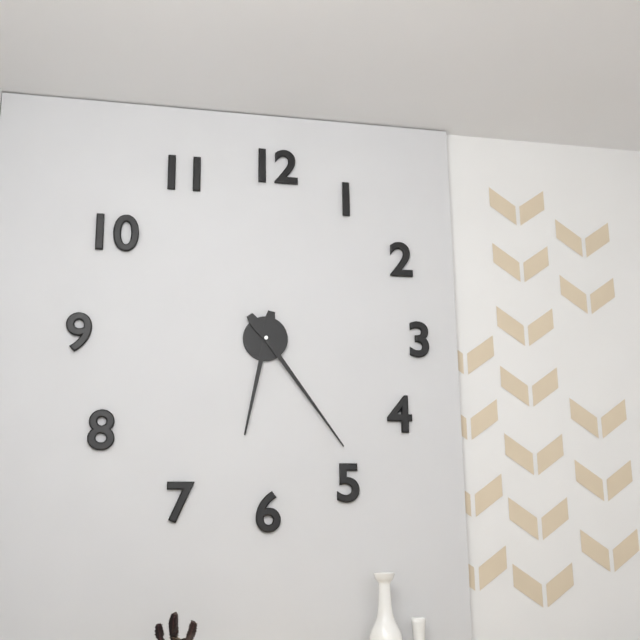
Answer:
{"hour": 6, "minute": 24}
